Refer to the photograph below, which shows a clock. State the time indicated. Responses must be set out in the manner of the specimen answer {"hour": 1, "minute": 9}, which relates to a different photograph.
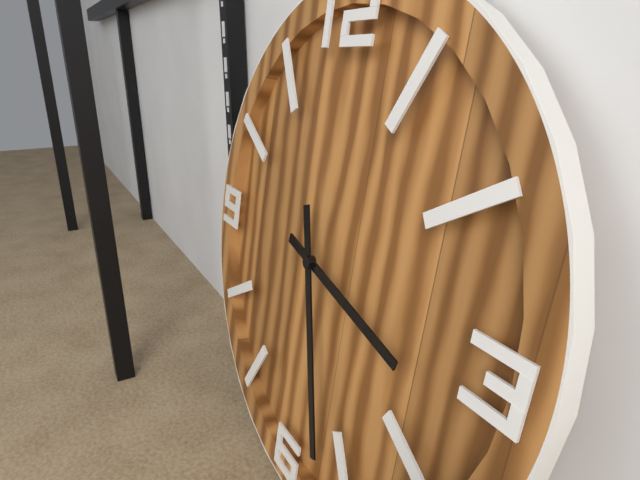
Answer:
{"hour": 3, "minute": 27}
